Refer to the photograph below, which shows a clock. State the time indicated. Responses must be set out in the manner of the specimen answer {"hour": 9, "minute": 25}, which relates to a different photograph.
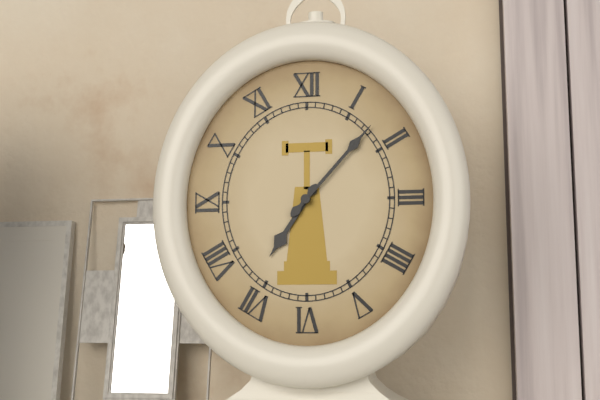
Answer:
{"hour": 7, "minute": 7}
